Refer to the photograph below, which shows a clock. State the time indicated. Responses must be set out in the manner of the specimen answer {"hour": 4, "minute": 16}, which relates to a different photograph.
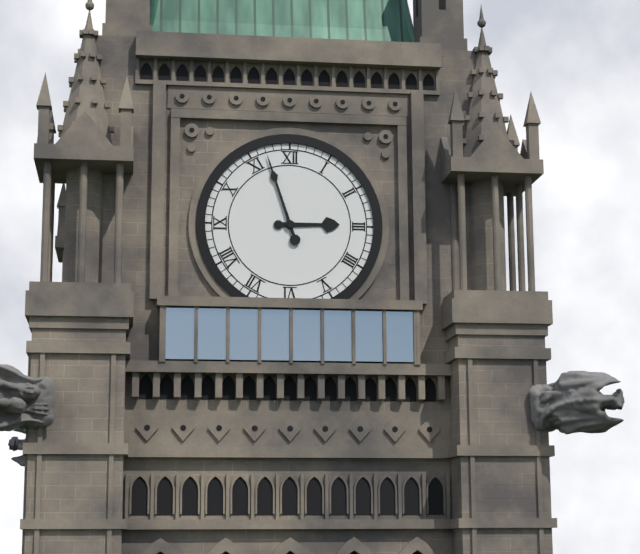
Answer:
{"hour": 2, "minute": 57}
